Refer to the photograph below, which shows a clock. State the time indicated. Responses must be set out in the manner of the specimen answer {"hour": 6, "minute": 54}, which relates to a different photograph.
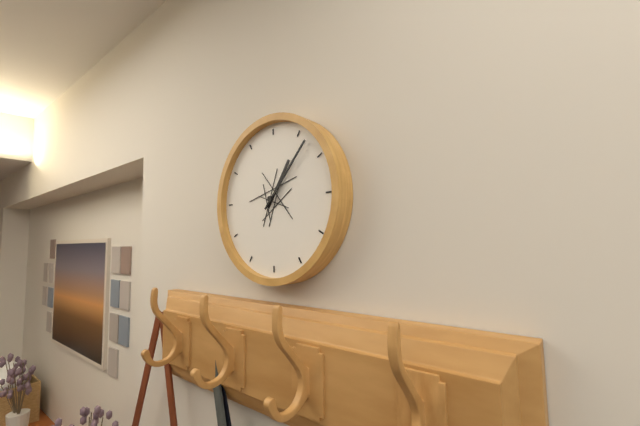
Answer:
{"hour": 1, "minute": 7}
